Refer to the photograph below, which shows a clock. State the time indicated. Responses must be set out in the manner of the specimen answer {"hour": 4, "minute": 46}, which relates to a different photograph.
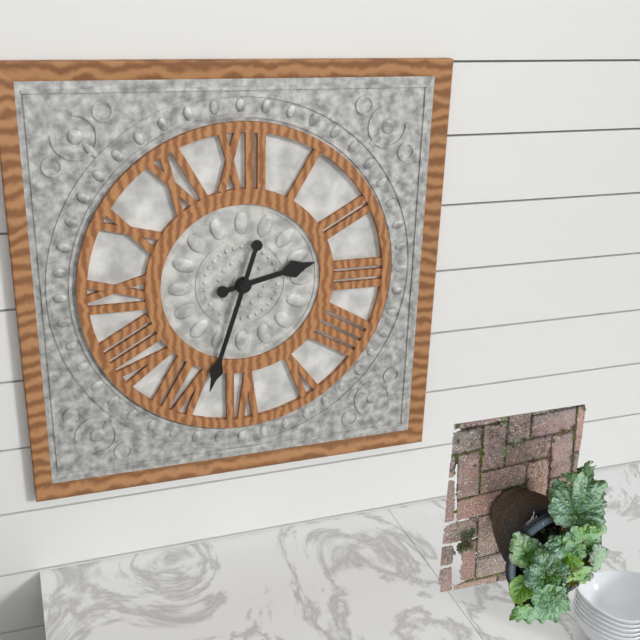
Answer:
{"hour": 2, "minute": 33}
